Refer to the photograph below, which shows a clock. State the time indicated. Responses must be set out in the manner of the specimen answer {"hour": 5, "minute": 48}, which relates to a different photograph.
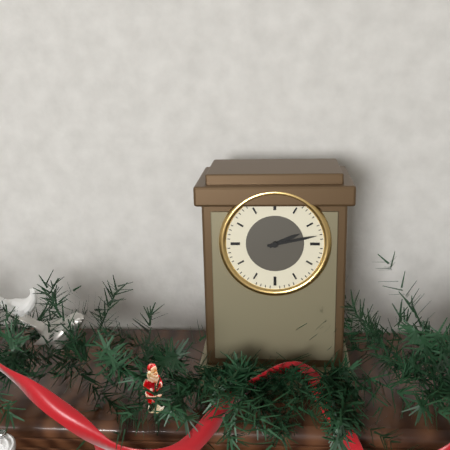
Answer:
{"hour": 2, "minute": 13}
